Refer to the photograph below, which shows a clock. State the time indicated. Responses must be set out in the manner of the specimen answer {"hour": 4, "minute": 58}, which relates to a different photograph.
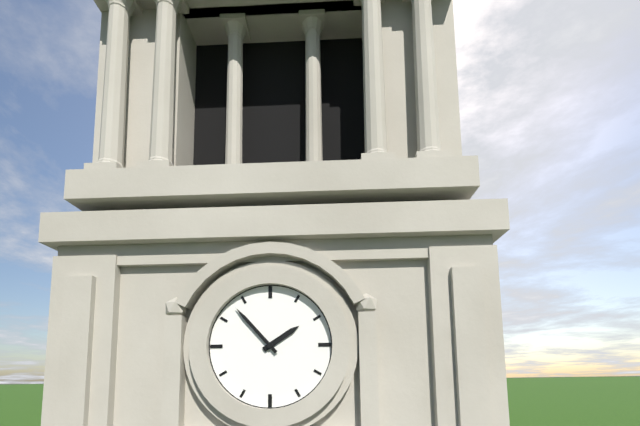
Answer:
{"hour": 1, "minute": 53}
